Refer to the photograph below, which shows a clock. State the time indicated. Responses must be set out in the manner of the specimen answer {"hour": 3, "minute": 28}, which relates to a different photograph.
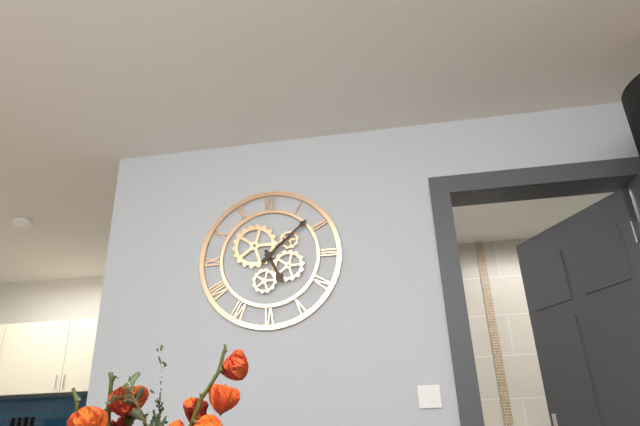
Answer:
{"hour": 5, "minute": 8}
